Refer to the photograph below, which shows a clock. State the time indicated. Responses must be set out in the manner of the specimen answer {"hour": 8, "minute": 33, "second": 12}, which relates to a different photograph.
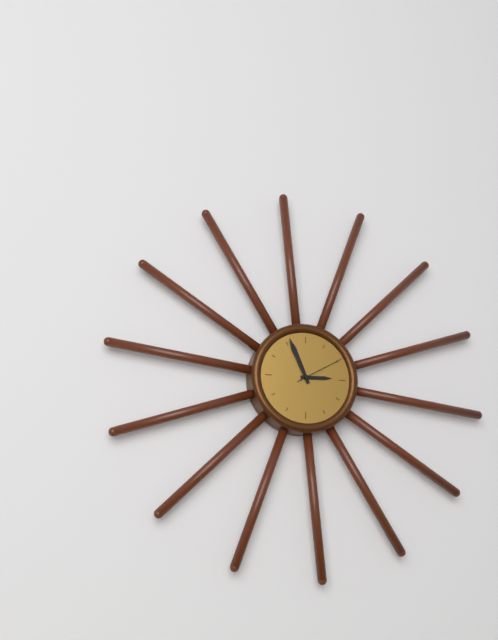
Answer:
{"hour": 2, "minute": 56, "second": 10}
